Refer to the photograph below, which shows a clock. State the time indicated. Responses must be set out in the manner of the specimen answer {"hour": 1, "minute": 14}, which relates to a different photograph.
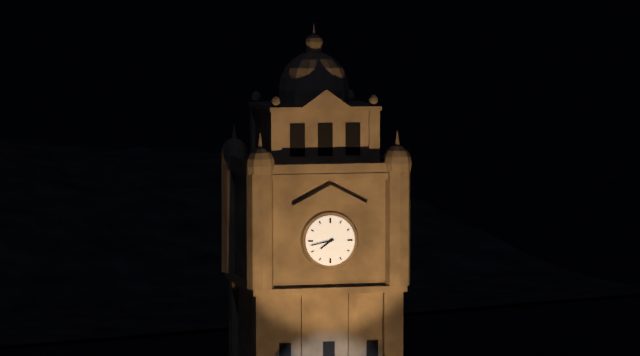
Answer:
{"hour": 7, "minute": 43}
